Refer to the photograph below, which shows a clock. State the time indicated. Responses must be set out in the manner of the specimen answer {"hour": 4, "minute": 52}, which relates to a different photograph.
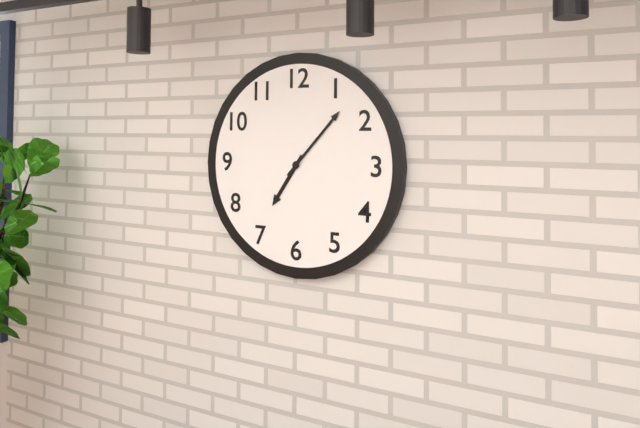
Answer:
{"hour": 7, "minute": 7}
